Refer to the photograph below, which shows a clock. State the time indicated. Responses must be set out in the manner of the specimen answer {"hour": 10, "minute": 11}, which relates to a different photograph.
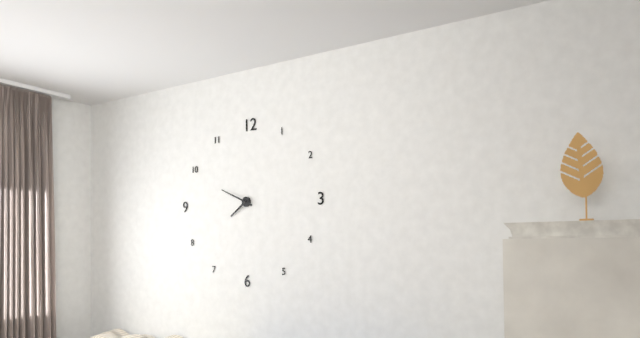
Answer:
{"hour": 7, "minute": 49}
